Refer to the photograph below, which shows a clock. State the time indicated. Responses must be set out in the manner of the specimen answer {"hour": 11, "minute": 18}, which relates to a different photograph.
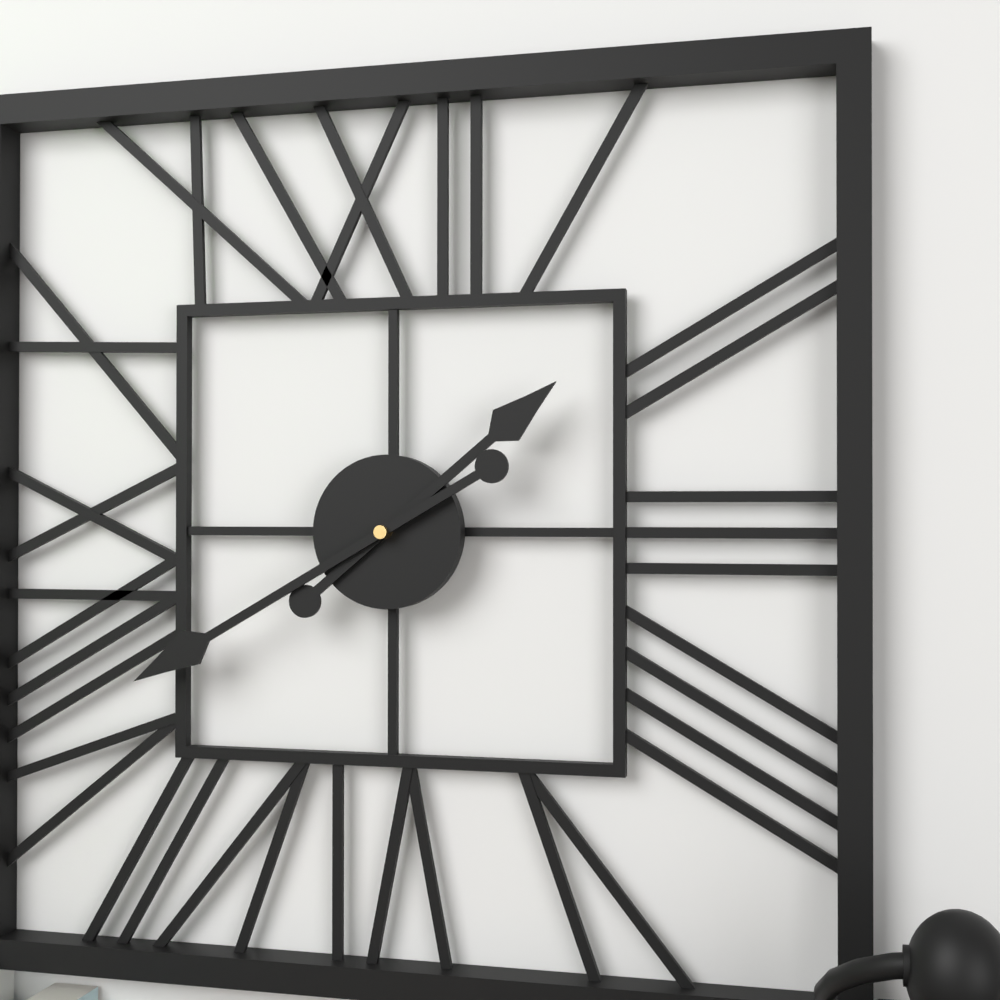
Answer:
{"hour": 1, "minute": 40}
